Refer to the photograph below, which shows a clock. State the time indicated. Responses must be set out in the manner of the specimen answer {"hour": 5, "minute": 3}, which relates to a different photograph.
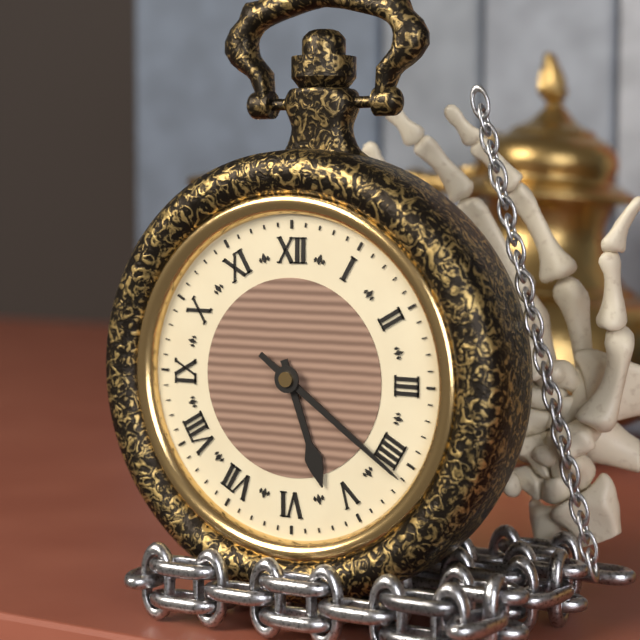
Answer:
{"hour": 5, "minute": 21}
